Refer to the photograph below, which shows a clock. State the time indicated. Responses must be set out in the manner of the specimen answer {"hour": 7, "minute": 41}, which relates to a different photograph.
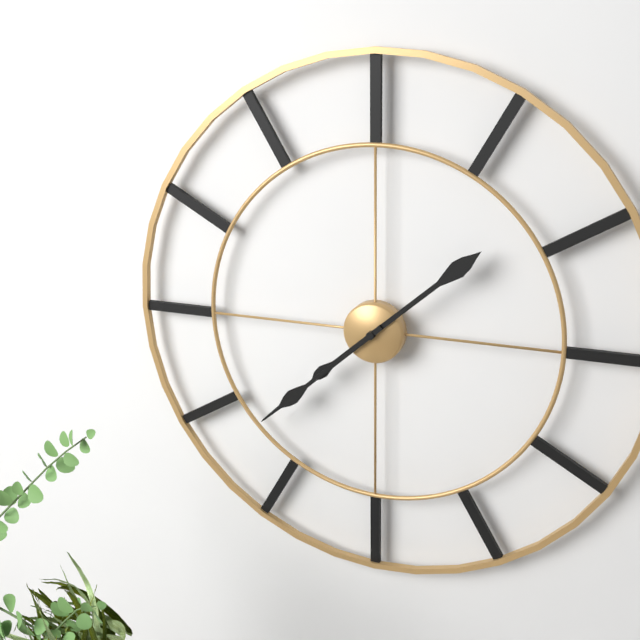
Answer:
{"hour": 1, "minute": 38}
